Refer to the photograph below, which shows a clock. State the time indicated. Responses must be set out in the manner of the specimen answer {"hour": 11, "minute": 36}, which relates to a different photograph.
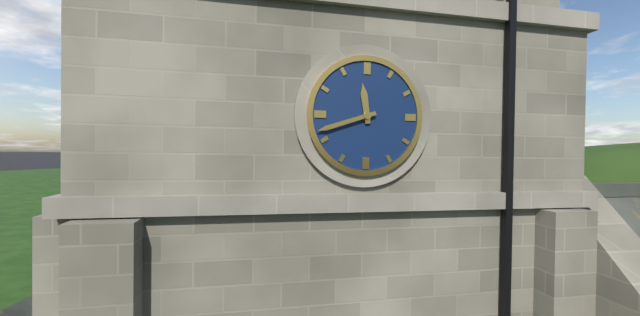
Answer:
{"hour": 11, "minute": 42}
